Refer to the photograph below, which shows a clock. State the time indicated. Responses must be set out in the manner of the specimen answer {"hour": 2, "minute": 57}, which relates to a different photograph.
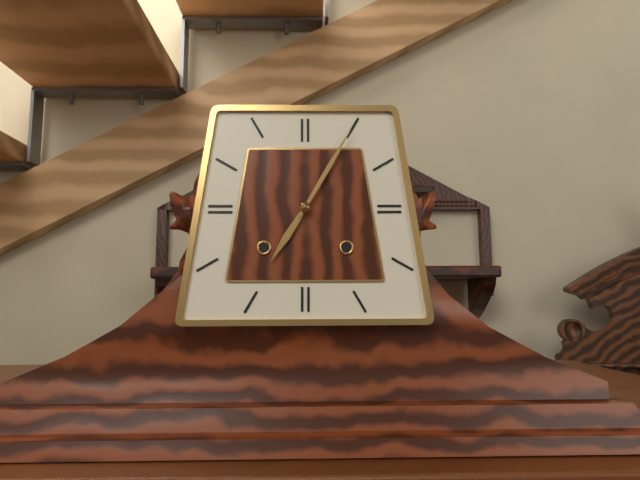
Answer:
{"hour": 7, "minute": 5}
